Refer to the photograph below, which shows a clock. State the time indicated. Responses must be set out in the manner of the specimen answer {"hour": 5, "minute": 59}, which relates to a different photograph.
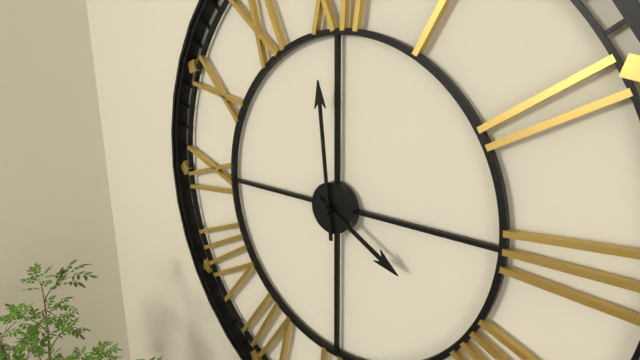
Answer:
{"hour": 3, "minute": 59}
